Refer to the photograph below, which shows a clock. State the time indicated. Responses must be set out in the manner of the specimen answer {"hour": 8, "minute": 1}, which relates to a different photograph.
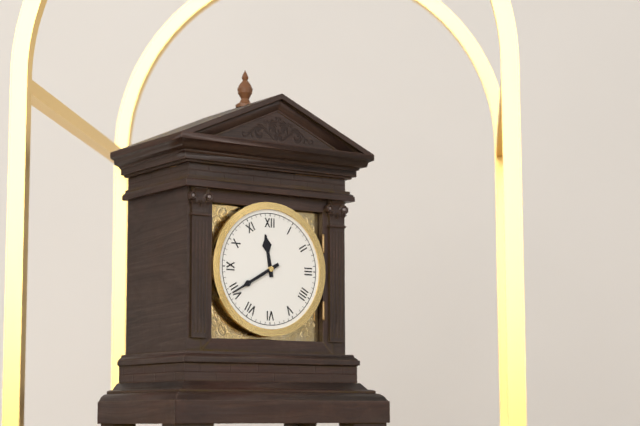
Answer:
{"hour": 11, "minute": 40}
